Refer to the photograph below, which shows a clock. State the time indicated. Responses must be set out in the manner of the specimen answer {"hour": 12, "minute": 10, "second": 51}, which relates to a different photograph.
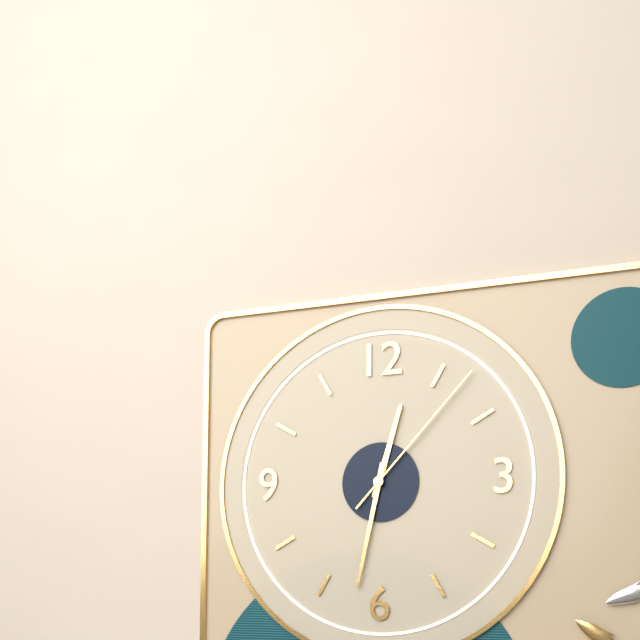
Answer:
{"hour": 12, "minute": 32, "second": 7}
